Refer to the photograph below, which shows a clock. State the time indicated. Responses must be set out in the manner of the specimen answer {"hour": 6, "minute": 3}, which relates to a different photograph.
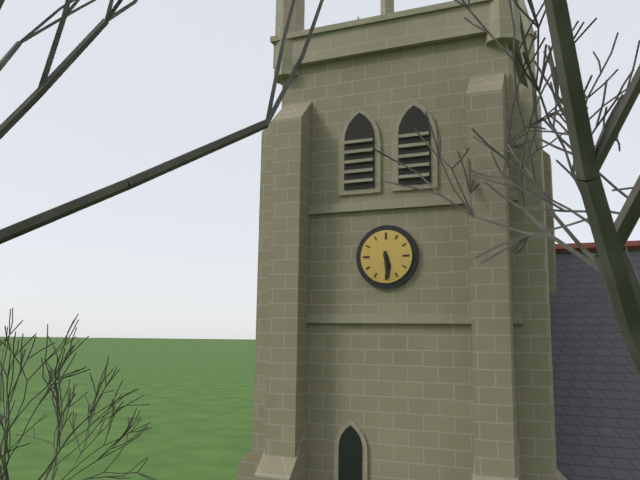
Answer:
{"hour": 5, "minute": 29}
